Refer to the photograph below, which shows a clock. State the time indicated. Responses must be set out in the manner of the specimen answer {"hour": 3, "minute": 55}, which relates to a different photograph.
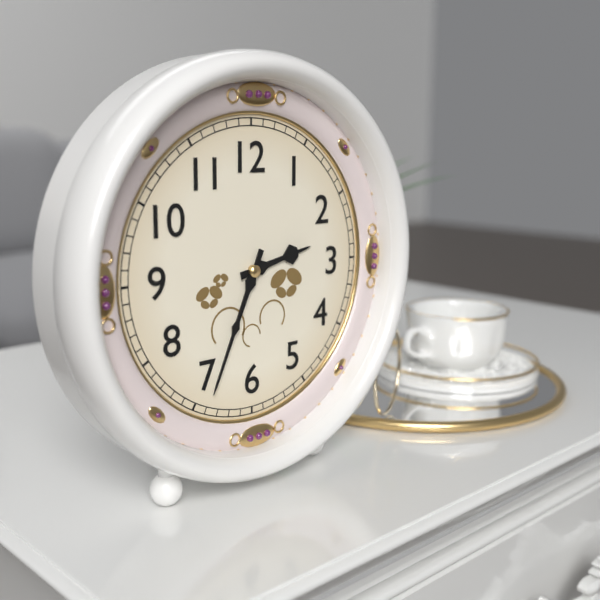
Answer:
{"hour": 2, "minute": 34}
